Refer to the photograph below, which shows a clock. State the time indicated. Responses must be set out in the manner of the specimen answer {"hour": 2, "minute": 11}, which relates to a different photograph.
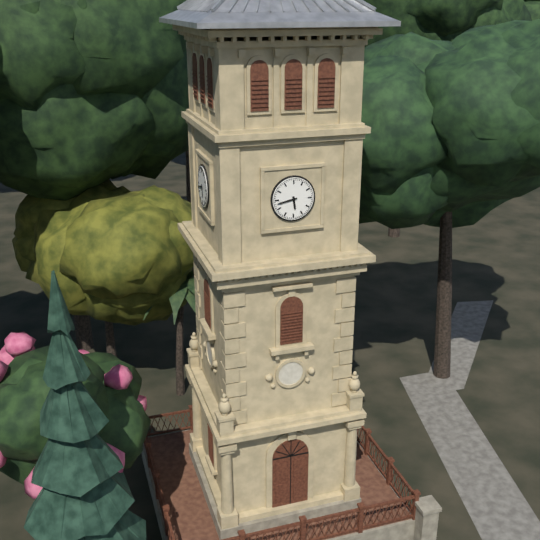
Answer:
{"hour": 5, "minute": 43}
